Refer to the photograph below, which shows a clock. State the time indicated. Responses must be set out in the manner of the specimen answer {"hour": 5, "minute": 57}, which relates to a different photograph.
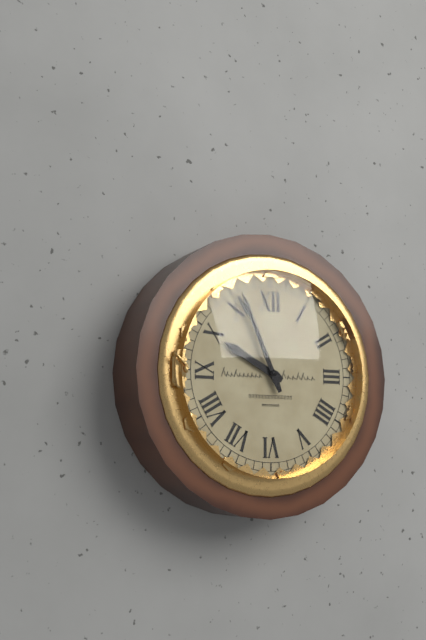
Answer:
{"hour": 9, "minute": 56}
